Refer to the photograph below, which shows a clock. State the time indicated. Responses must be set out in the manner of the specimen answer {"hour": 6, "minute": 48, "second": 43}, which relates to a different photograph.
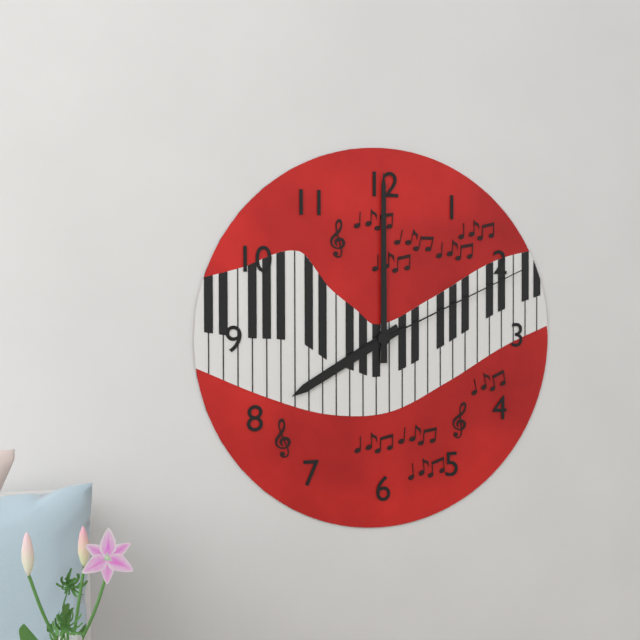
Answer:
{"hour": 8, "minute": 0, "second": 11}
